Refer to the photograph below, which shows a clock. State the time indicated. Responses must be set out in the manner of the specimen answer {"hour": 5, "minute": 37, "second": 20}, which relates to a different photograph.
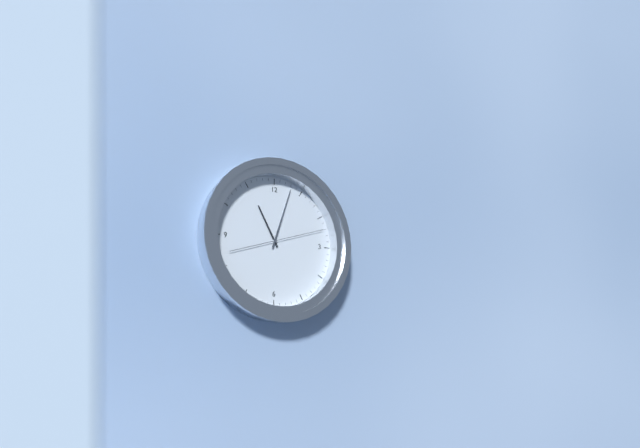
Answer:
{"hour": 11, "minute": 3, "second": 12}
